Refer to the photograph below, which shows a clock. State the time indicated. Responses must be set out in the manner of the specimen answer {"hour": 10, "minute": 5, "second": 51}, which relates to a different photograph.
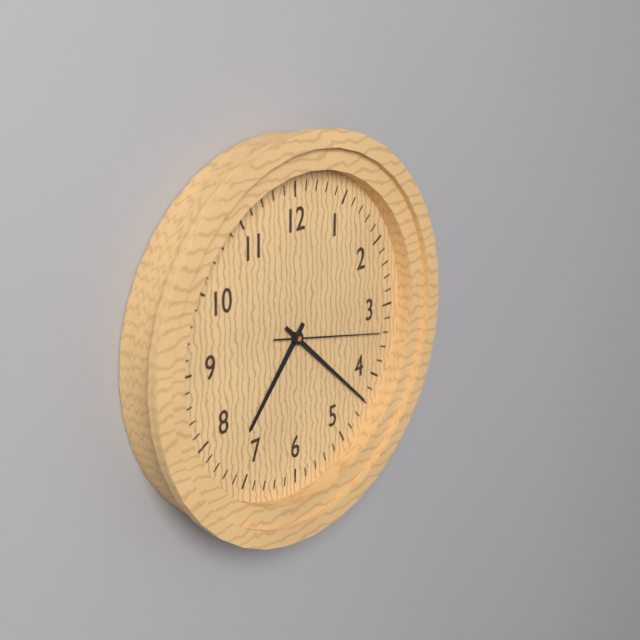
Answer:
{"hour": 7, "minute": 22, "second": 17}
